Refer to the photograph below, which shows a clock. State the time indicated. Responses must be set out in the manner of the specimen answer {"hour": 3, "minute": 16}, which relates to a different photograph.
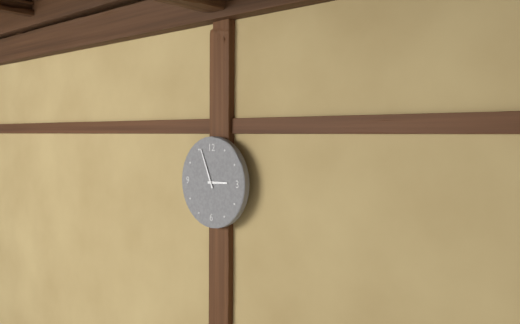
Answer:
{"hour": 2, "minute": 56}
